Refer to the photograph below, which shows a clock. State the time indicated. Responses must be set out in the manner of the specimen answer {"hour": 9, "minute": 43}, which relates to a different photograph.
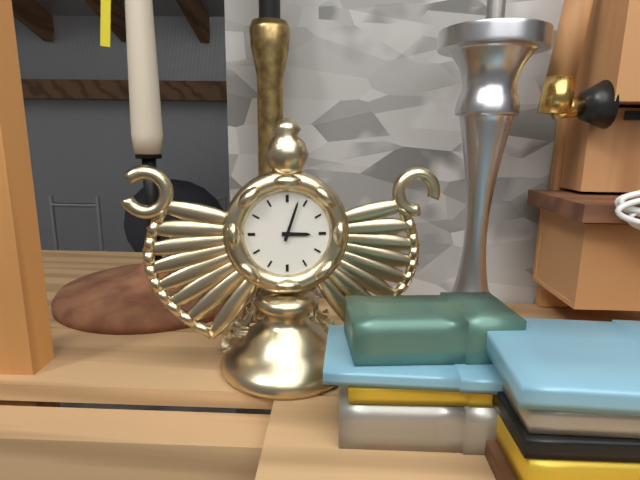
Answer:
{"hour": 3, "minute": 3}
